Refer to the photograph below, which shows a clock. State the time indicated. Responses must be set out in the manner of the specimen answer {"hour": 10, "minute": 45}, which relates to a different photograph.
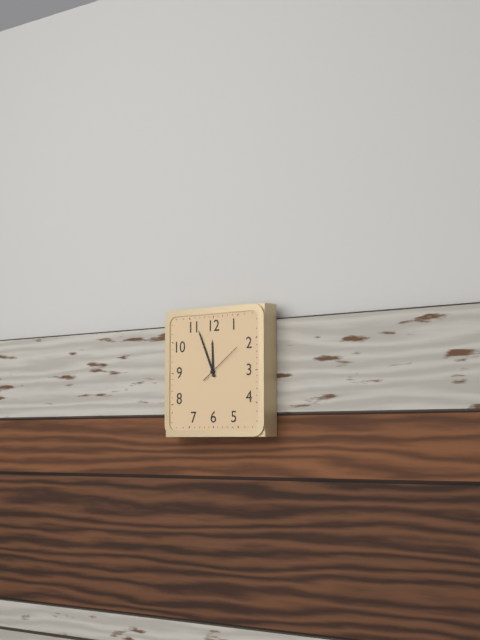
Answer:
{"hour": 11, "minute": 56}
